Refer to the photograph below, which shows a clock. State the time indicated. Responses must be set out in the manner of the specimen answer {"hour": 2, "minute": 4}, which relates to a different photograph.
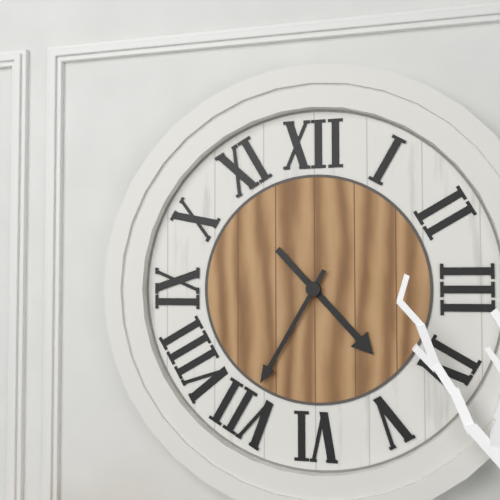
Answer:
{"hour": 4, "minute": 35}
